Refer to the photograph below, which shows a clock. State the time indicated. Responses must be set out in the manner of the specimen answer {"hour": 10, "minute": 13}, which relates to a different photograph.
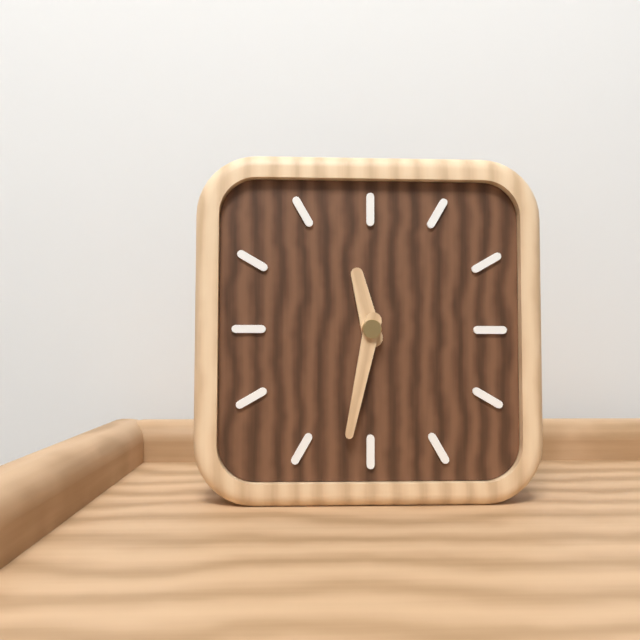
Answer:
{"hour": 11, "minute": 32}
